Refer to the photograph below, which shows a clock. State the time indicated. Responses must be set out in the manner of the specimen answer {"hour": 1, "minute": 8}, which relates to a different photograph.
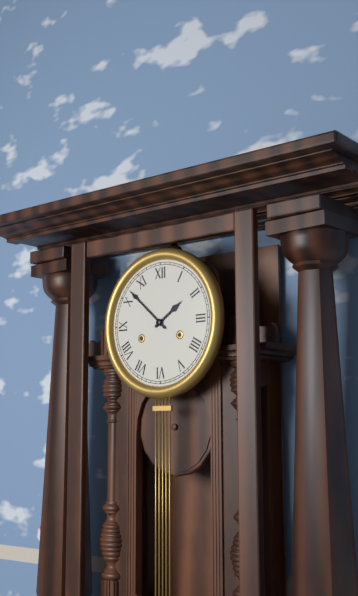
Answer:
{"hour": 1, "minute": 52}
